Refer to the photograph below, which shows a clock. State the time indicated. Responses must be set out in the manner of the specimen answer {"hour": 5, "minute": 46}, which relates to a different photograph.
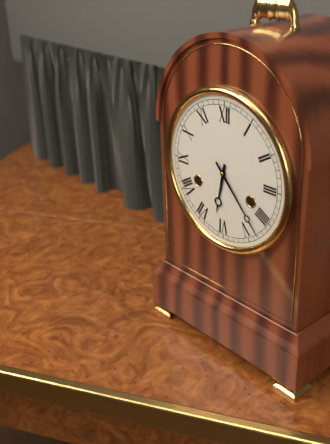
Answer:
{"hour": 6, "minute": 23}
